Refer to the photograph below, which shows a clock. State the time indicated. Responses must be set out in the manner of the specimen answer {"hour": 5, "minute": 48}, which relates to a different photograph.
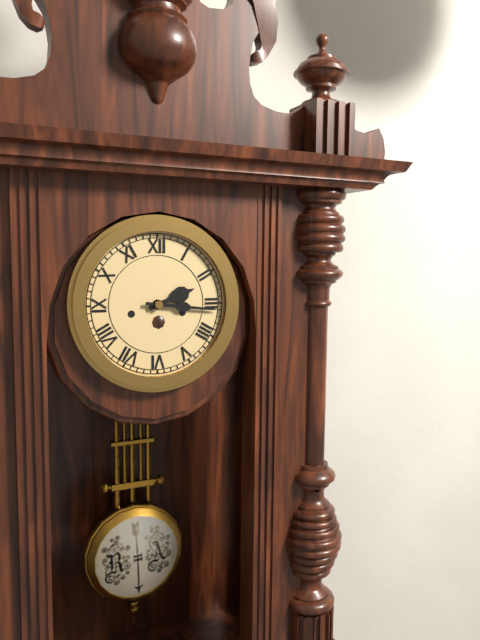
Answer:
{"hour": 2, "minute": 16}
